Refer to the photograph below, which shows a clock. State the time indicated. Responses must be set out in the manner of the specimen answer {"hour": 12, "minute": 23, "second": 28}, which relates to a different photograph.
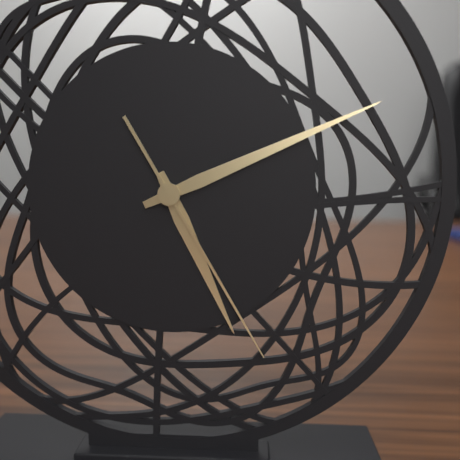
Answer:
{"hour": 5, "minute": 11, "second": 25}
